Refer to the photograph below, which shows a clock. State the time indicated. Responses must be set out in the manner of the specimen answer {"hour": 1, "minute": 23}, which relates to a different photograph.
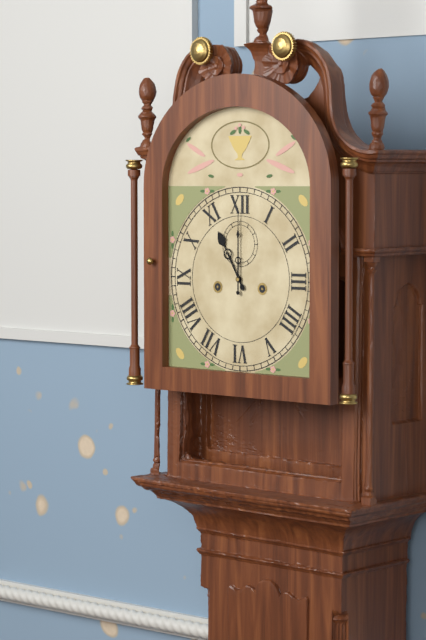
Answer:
{"hour": 11, "minute": 0}
